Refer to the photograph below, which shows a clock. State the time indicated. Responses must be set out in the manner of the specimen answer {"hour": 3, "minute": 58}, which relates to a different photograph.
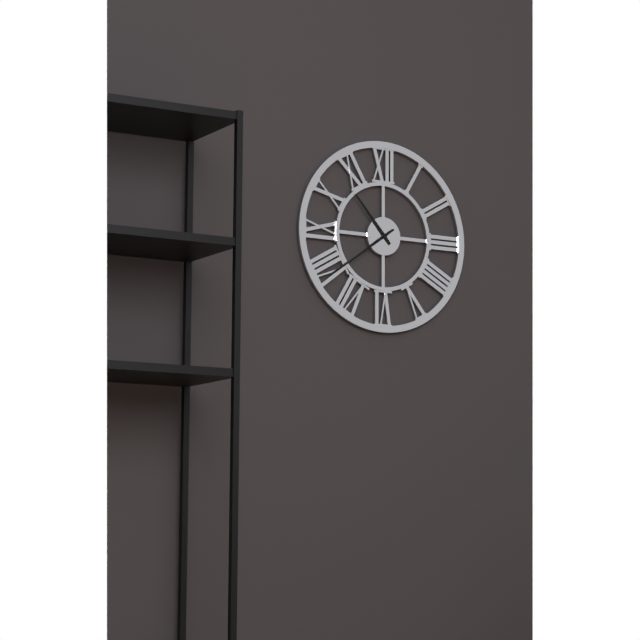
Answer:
{"hour": 10, "minute": 39}
